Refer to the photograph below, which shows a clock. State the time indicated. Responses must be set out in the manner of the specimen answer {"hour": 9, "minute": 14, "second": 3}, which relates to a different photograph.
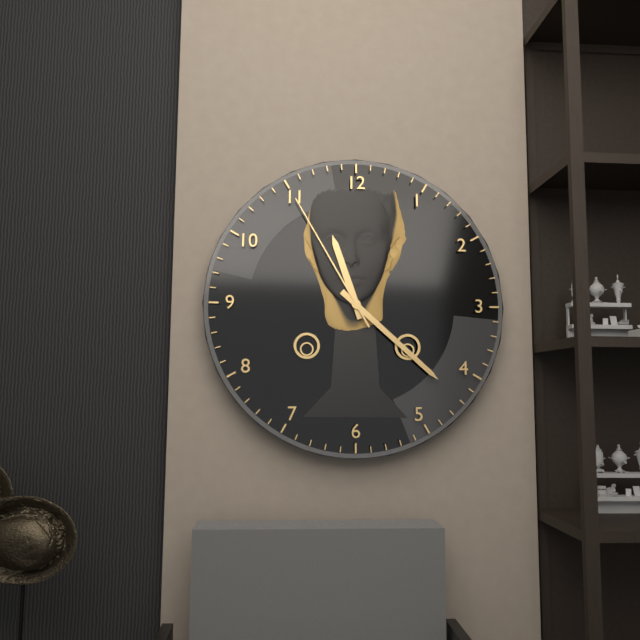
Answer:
{"hour": 11, "minute": 22, "second": 55}
